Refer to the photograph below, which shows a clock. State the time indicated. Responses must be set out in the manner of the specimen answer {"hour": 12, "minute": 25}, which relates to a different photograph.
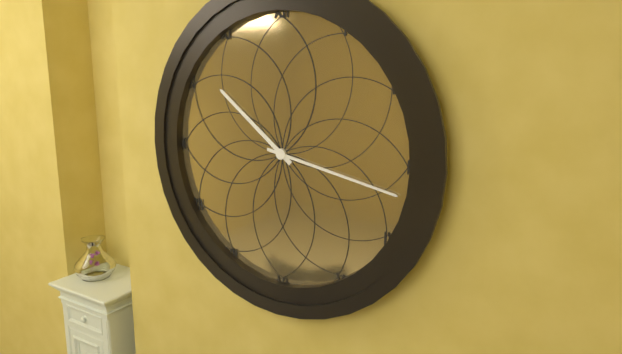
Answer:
{"hour": 10, "minute": 17}
